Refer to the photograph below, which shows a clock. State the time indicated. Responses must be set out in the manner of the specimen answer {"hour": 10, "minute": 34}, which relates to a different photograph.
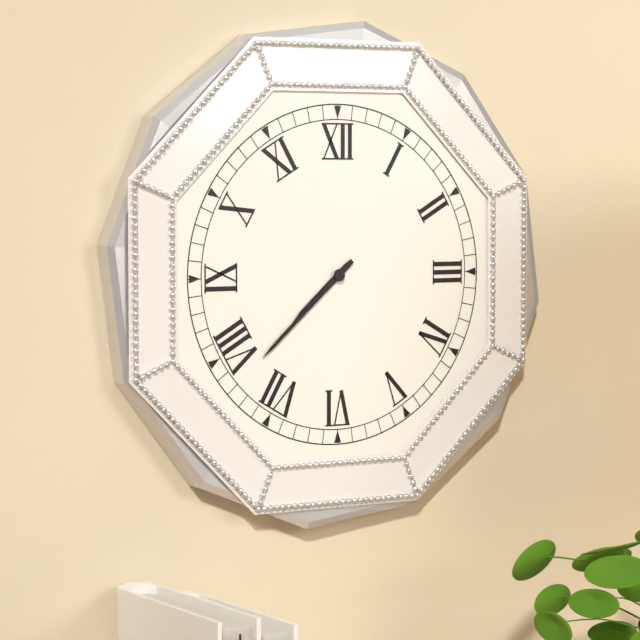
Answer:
{"hour": 7, "minute": 38}
